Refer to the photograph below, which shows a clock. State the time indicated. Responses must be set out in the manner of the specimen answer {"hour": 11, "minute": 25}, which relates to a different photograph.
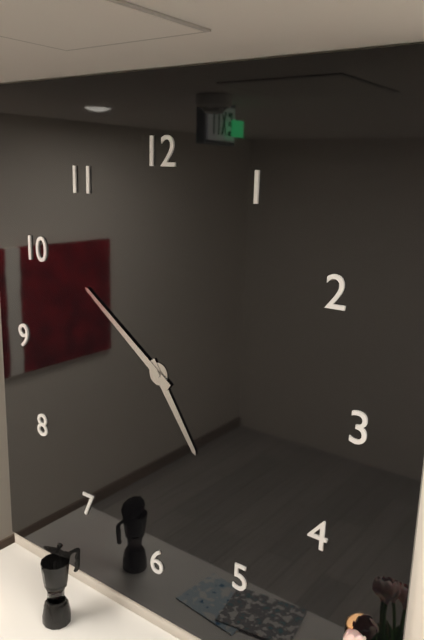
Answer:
{"hour": 4, "minute": 51}
